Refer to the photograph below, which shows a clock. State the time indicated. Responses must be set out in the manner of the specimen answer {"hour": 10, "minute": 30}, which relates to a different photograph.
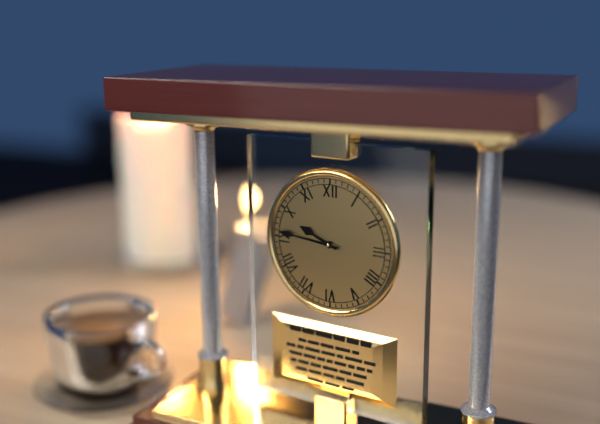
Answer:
{"hour": 9, "minute": 46}
